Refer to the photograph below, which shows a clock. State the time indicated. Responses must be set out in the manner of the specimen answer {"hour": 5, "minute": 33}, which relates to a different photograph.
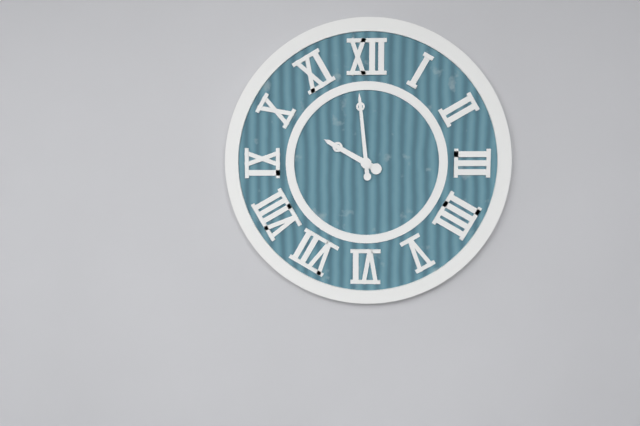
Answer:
{"hour": 9, "minute": 59}
